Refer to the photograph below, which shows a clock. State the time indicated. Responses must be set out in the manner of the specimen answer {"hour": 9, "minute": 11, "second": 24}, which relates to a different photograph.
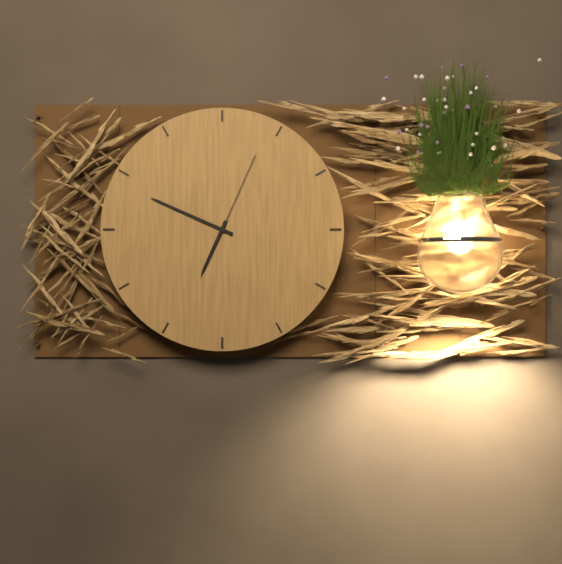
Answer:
{"hour": 6, "minute": 49, "second": 4}
